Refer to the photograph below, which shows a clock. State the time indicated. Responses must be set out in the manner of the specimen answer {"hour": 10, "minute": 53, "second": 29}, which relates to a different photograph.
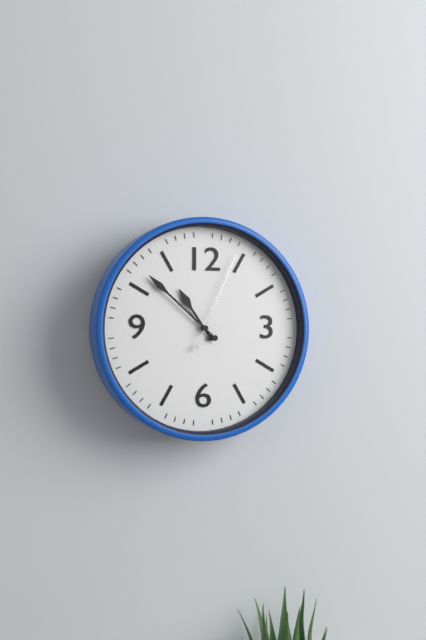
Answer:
{"hour": 10, "minute": 52, "second": 4}
